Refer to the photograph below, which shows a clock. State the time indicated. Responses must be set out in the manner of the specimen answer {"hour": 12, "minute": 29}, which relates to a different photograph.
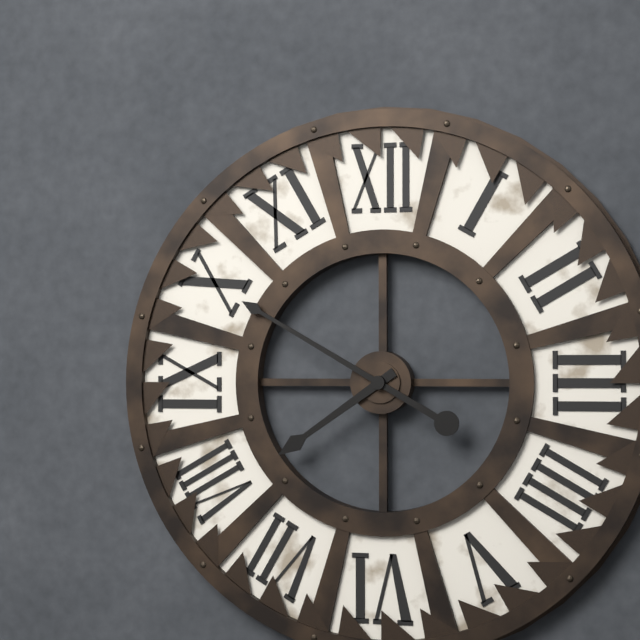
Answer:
{"hour": 7, "minute": 50}
